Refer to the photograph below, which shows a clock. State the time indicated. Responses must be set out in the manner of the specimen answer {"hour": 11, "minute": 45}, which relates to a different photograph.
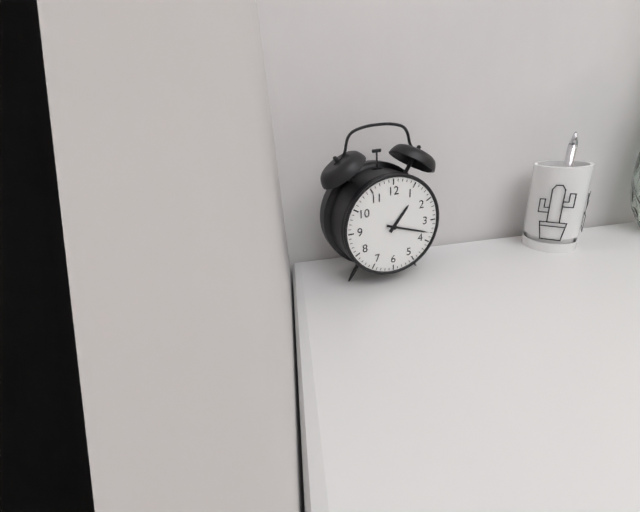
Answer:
{"hour": 1, "minute": 18}
